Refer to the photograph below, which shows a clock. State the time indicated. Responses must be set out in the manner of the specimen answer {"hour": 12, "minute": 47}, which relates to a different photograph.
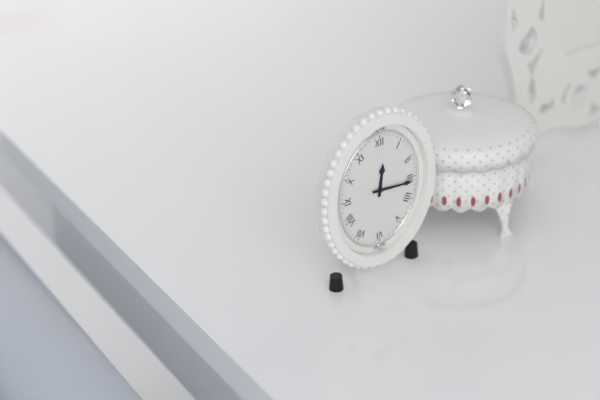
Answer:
{"hour": 12, "minute": 16}
